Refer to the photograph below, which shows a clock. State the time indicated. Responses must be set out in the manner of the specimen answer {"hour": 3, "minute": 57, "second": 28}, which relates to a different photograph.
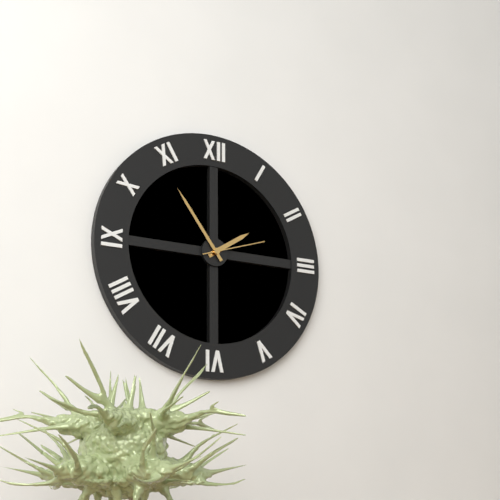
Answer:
{"hour": 1, "minute": 54, "second": 12}
